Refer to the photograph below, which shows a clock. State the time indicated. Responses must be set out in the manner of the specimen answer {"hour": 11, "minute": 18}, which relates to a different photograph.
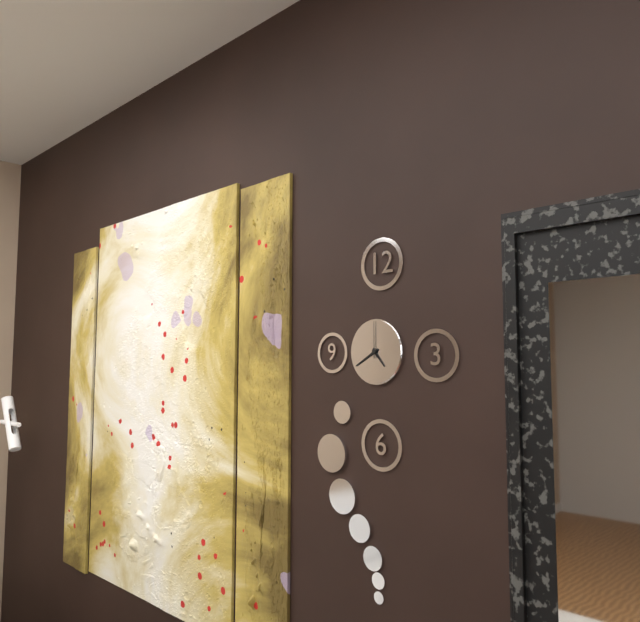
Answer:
{"hour": 4, "minute": 40}
